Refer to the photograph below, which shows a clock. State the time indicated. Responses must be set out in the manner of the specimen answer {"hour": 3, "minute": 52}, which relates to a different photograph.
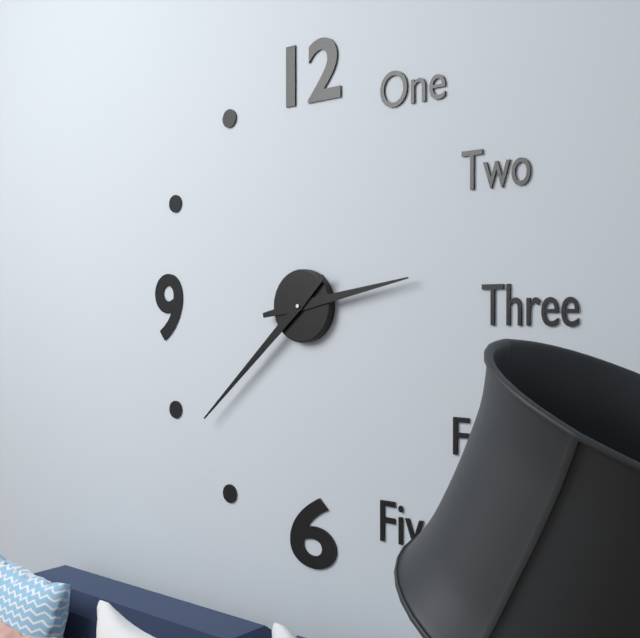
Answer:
{"hour": 2, "minute": 38}
